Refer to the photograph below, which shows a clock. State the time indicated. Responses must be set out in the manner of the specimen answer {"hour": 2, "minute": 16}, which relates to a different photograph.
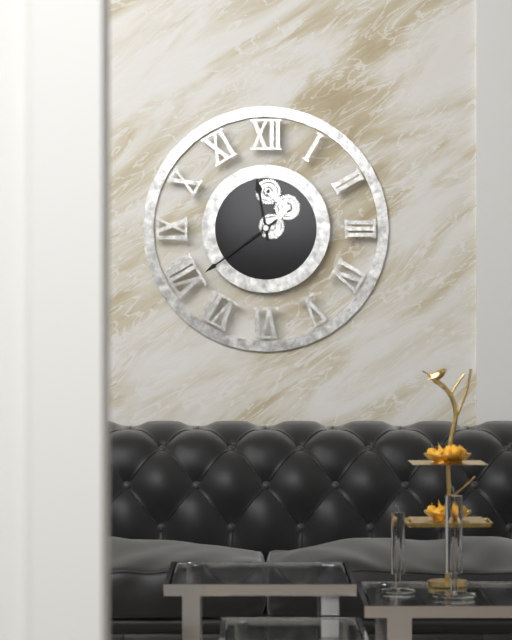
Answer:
{"hour": 11, "minute": 39}
